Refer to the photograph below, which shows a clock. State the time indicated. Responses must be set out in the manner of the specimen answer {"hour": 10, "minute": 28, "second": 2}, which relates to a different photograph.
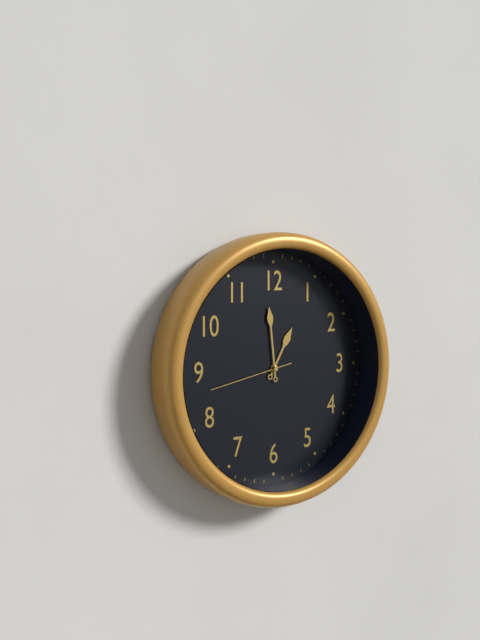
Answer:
{"hour": 12, "minute": 59, "second": 43}
